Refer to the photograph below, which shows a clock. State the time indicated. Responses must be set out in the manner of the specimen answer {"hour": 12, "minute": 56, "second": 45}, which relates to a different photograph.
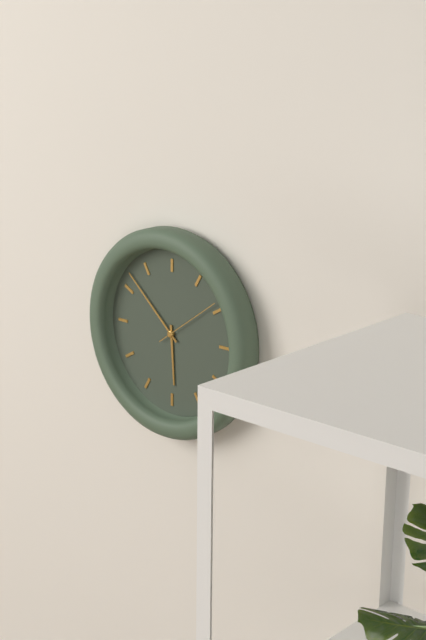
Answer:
{"hour": 5, "minute": 52, "second": 9}
